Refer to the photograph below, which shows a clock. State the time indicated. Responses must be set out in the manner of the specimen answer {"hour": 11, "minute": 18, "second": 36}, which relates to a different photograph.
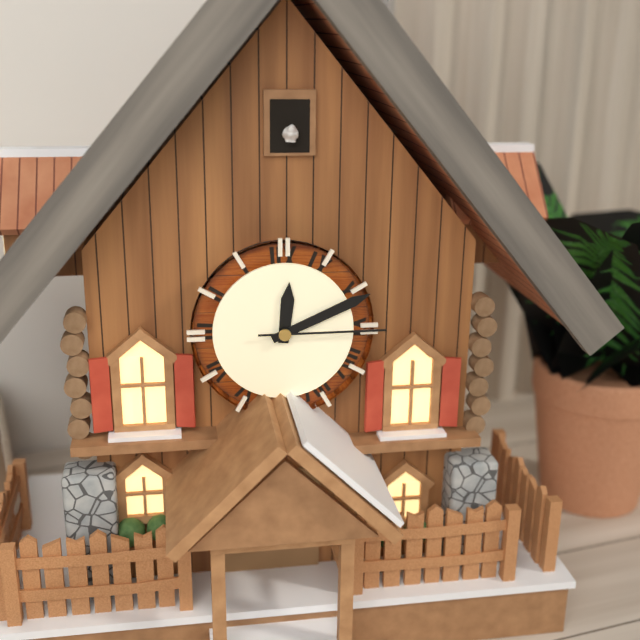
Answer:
{"hour": 12, "minute": 11, "second": 15}
